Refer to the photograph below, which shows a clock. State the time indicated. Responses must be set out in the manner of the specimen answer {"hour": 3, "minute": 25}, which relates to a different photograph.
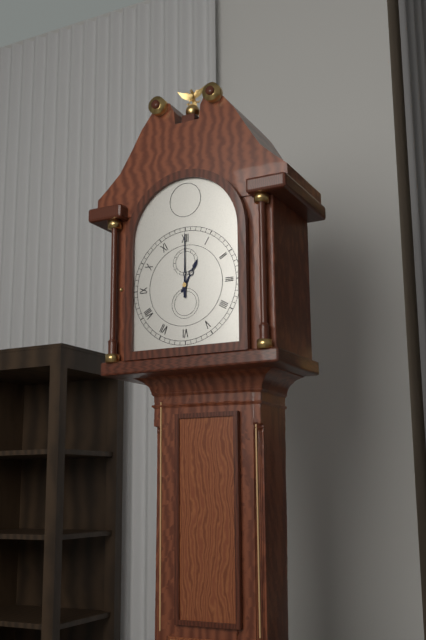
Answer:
{"hour": 1, "minute": 0}
